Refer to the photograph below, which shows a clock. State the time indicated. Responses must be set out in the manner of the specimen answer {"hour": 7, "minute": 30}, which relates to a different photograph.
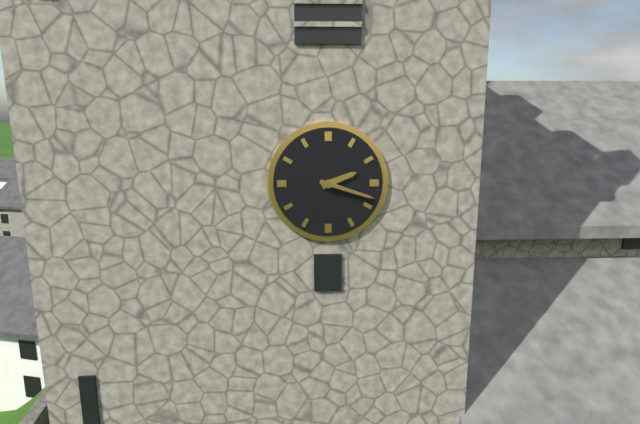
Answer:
{"hour": 2, "minute": 18}
